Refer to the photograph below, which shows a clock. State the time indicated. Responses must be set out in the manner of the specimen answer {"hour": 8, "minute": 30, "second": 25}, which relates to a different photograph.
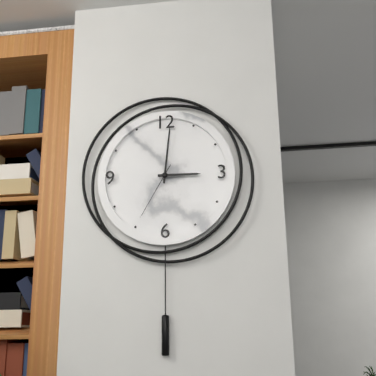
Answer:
{"hour": 3, "minute": 1, "second": 35}
